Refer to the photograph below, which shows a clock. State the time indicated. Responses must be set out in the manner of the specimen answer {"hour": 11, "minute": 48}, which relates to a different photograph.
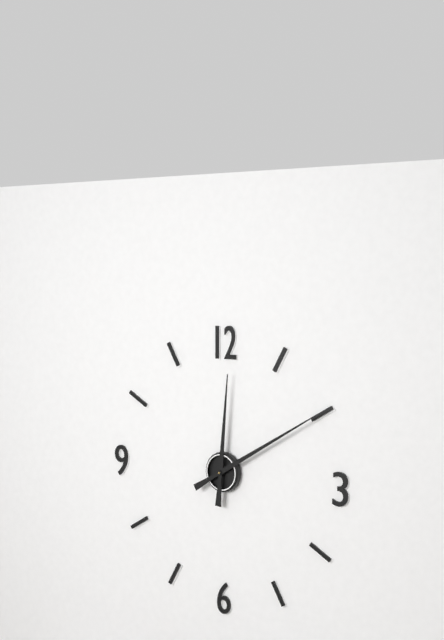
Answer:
{"hour": 12, "minute": 10}
